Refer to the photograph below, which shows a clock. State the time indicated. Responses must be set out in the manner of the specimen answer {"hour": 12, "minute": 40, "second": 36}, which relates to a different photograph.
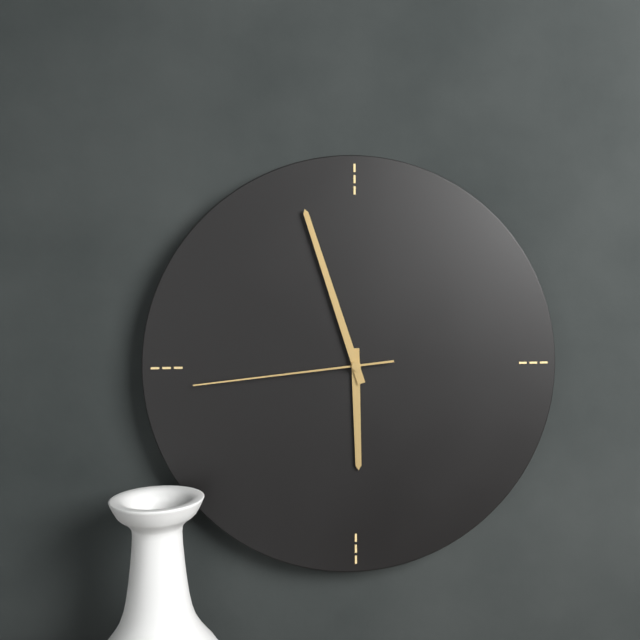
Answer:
{"hour": 5, "minute": 57, "second": 44}
